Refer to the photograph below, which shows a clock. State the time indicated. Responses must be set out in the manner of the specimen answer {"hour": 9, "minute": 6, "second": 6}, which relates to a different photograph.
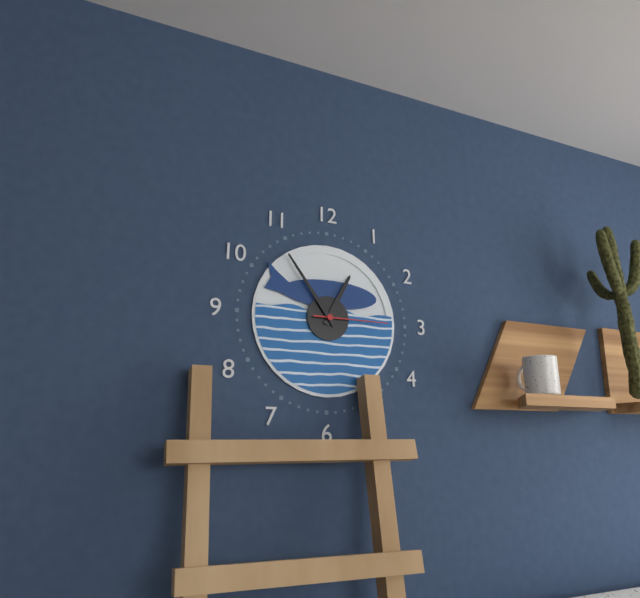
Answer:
{"hour": 12, "minute": 54, "second": 15}
